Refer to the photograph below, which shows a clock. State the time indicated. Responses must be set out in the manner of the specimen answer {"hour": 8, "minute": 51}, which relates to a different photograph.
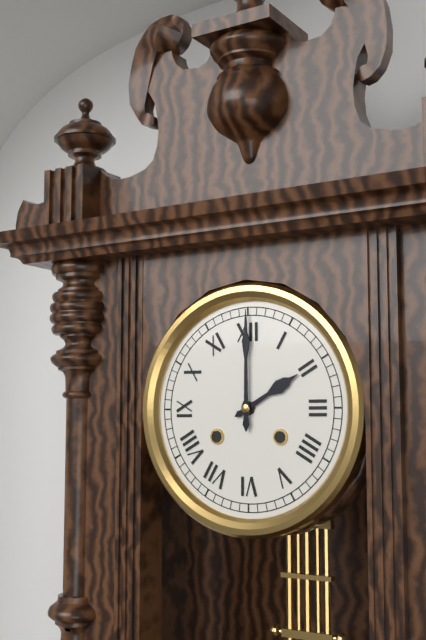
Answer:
{"hour": 2, "minute": 0}
